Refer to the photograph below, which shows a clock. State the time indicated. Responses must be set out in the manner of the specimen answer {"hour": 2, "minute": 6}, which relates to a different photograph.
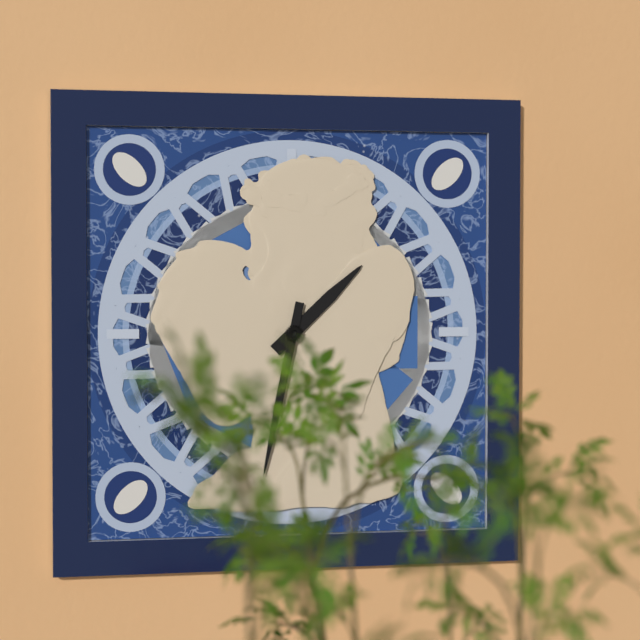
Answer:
{"hour": 1, "minute": 32}
